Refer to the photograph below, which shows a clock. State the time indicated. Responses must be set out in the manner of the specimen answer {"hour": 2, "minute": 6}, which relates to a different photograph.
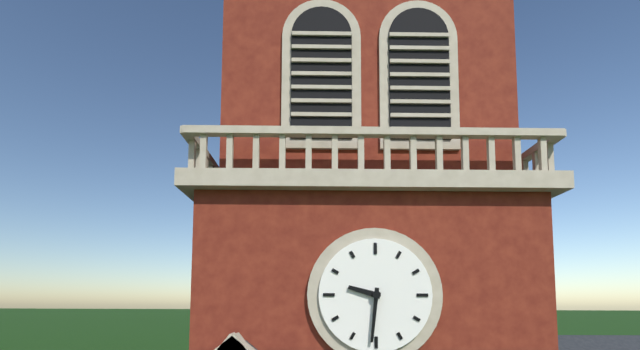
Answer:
{"hour": 9, "minute": 31}
